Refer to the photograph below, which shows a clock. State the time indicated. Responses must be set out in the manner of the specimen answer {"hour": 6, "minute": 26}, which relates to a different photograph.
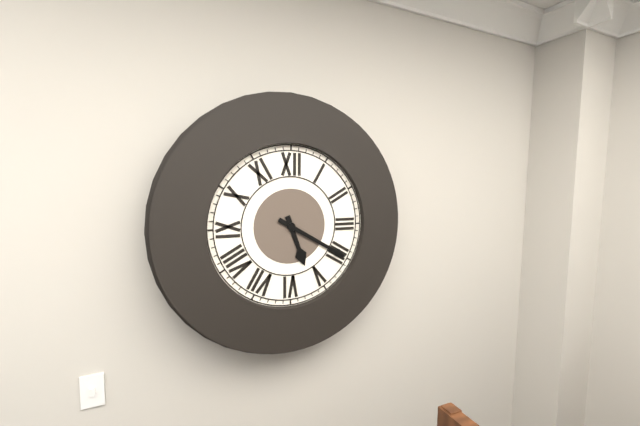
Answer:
{"hour": 5, "minute": 20}
